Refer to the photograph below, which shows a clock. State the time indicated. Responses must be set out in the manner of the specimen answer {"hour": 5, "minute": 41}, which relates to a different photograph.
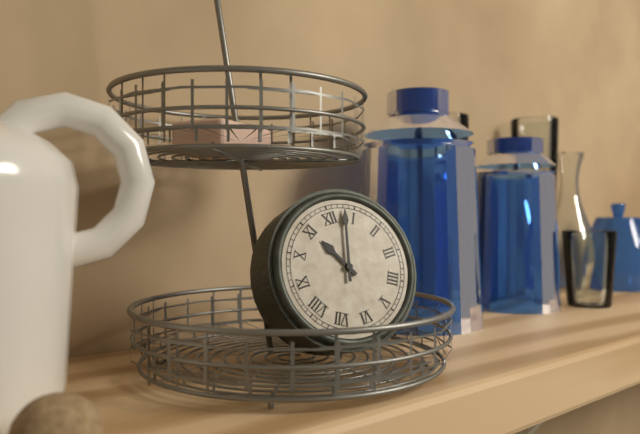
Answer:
{"hour": 11, "minute": 3}
